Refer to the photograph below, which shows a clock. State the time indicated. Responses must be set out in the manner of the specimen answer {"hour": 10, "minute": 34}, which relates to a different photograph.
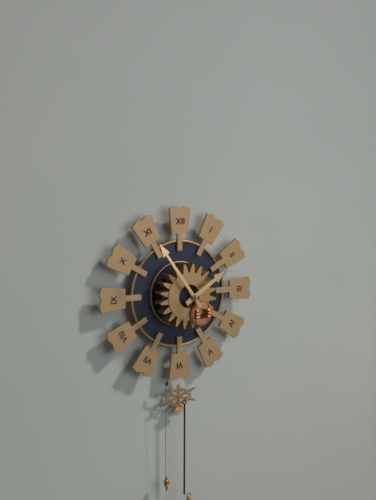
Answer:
{"hour": 1, "minute": 54}
